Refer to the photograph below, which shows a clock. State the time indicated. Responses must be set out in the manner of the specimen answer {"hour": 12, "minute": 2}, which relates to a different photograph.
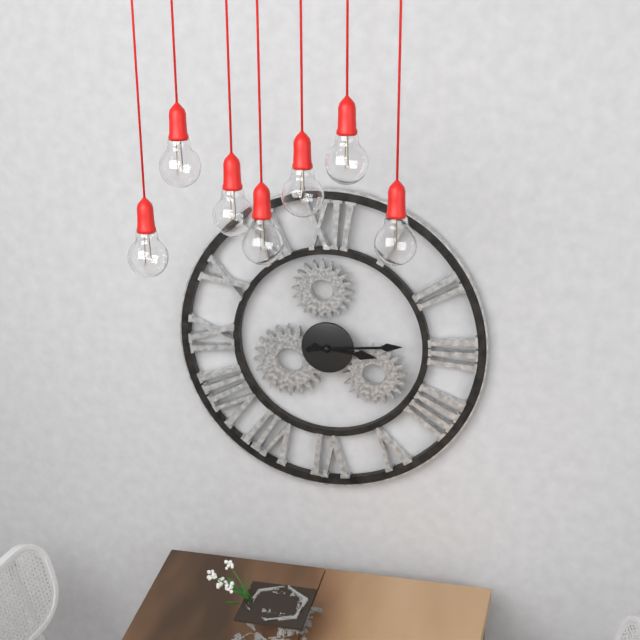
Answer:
{"hour": 3, "minute": 14}
